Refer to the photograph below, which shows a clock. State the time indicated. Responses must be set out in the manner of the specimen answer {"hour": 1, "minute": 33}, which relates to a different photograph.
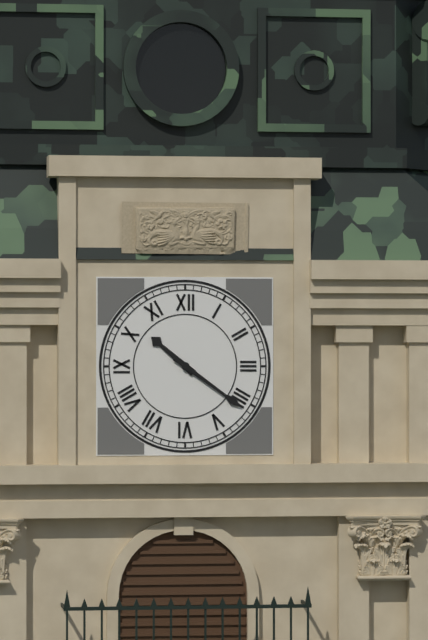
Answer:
{"hour": 10, "minute": 21}
